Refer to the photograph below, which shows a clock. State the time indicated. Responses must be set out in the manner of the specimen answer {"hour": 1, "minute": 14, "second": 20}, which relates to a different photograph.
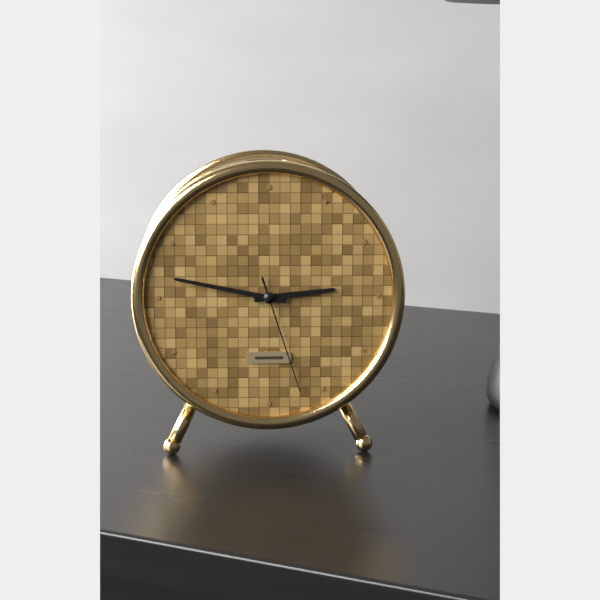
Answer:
{"hour": 2, "minute": 47, "second": 27}
